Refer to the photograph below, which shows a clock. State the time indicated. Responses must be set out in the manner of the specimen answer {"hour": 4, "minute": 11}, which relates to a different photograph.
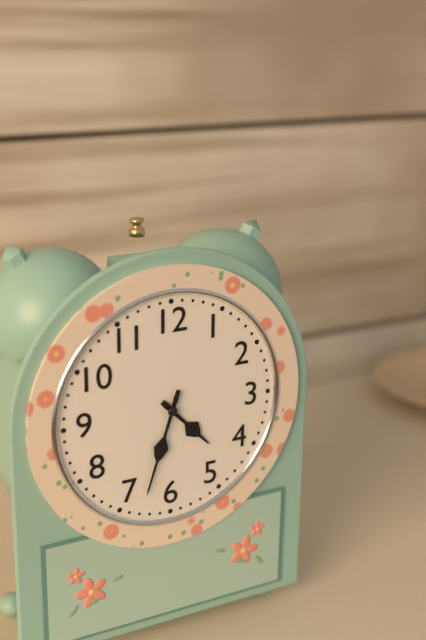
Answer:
{"hour": 4, "minute": 33}
